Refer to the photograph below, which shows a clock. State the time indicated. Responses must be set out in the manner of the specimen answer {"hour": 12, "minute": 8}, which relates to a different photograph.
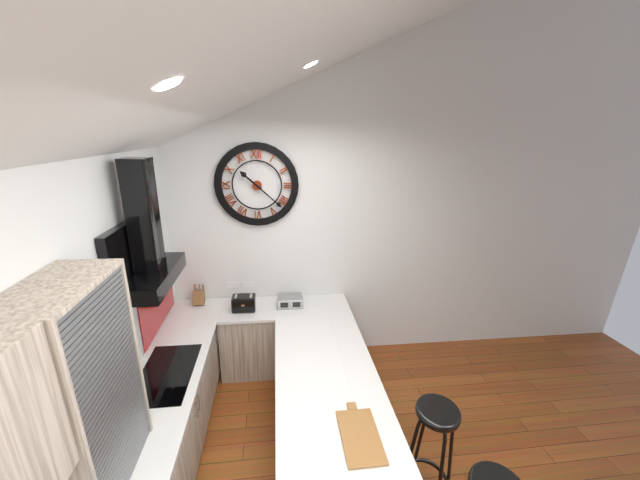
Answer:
{"hour": 10, "minute": 22}
